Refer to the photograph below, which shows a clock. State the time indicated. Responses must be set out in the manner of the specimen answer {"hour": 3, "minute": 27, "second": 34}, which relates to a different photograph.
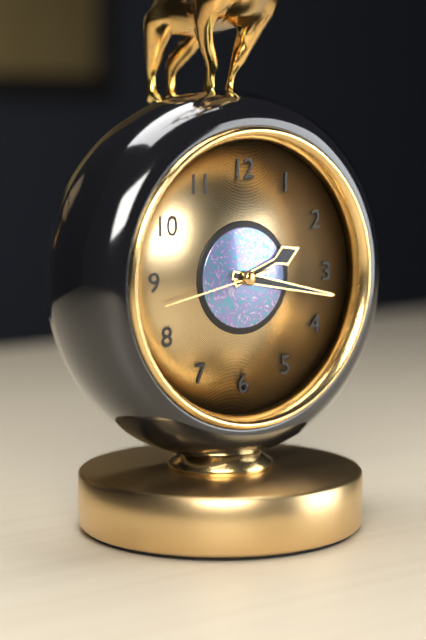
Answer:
{"hour": 2, "minute": 17, "second": 43}
